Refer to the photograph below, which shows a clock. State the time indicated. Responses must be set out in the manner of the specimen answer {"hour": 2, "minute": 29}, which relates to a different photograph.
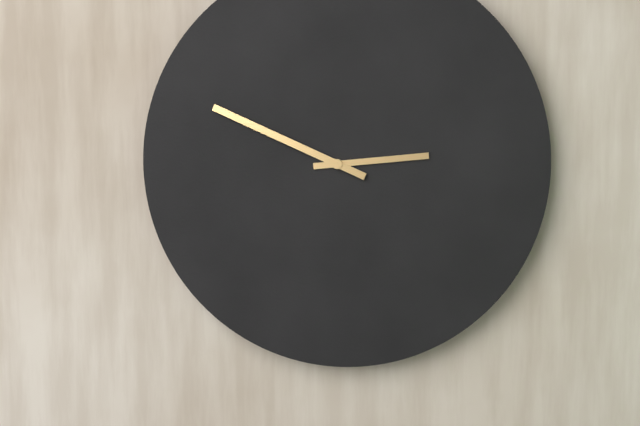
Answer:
{"hour": 2, "minute": 49}
